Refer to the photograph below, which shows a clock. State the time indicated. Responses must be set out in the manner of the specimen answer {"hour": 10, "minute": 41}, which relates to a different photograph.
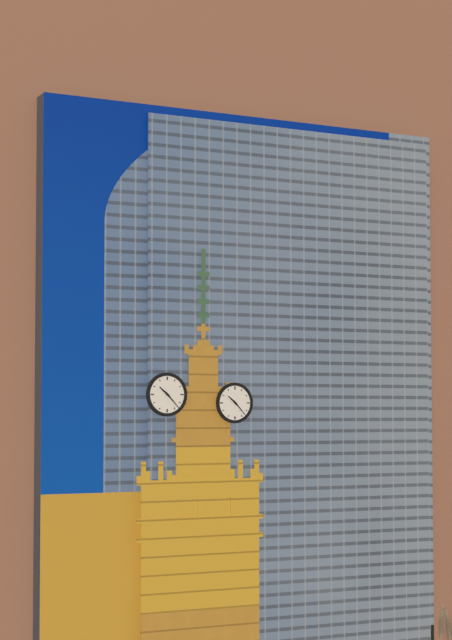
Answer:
{"hour": 10, "minute": 23}
